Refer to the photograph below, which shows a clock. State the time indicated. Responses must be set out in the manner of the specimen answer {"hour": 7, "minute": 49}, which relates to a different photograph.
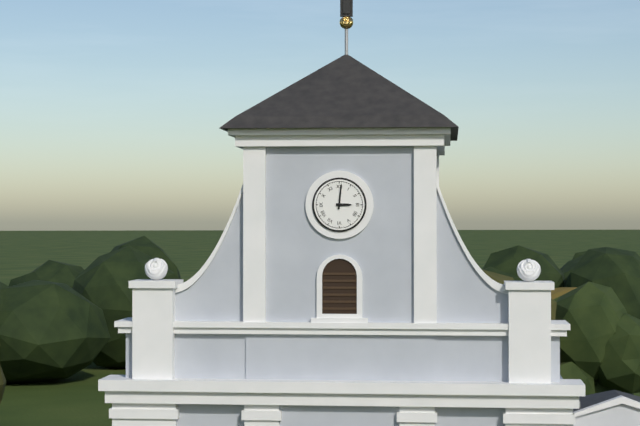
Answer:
{"hour": 3, "minute": 1}
